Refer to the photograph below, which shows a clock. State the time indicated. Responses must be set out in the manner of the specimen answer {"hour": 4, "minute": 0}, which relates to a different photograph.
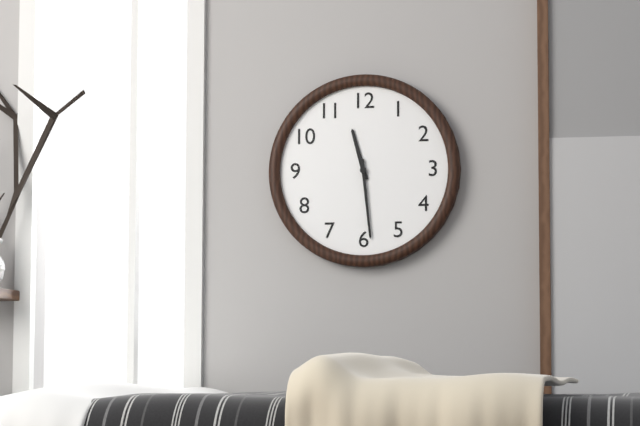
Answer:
{"hour": 11, "minute": 29}
